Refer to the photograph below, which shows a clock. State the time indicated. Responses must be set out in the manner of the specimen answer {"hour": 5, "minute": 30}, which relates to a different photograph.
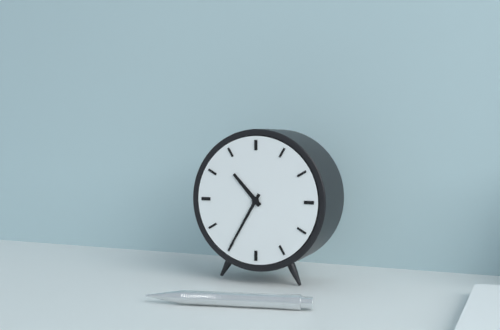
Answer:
{"hour": 10, "minute": 35}
